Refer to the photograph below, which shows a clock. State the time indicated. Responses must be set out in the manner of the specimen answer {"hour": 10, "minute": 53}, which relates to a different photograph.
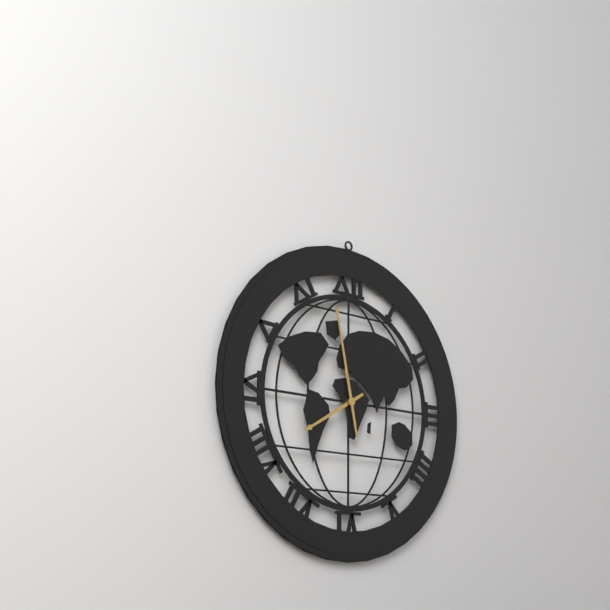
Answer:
{"hour": 7, "minute": 58}
